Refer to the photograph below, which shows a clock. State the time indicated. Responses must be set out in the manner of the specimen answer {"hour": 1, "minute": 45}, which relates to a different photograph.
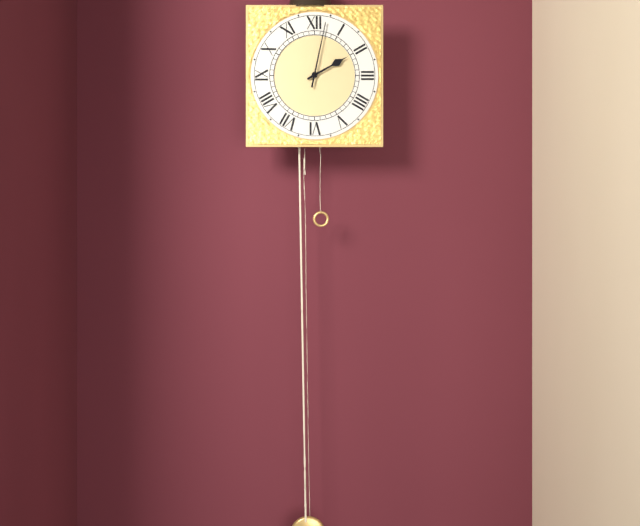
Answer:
{"hour": 2, "minute": 2}
